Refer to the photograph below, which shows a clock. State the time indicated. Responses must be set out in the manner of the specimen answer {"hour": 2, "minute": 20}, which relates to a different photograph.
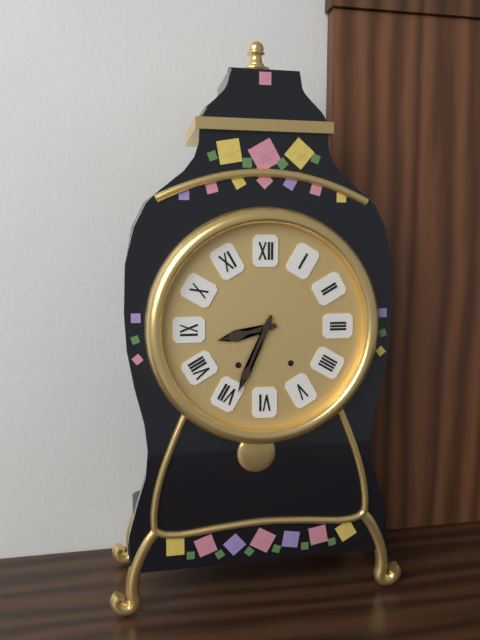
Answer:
{"hour": 8, "minute": 34}
